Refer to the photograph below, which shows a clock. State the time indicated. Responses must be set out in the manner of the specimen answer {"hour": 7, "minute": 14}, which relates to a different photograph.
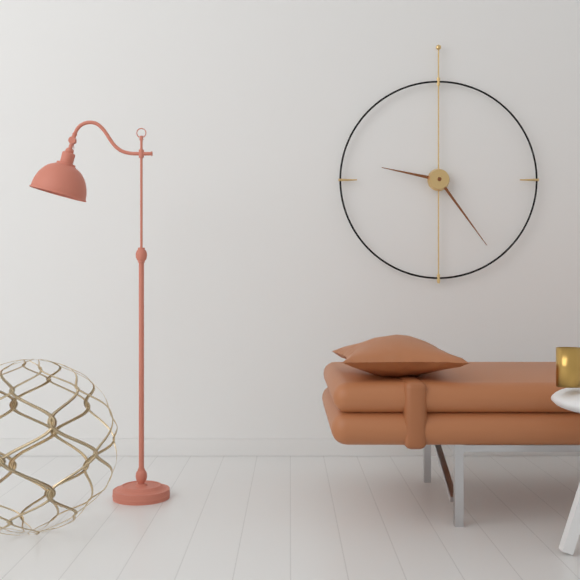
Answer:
{"hour": 9, "minute": 24}
